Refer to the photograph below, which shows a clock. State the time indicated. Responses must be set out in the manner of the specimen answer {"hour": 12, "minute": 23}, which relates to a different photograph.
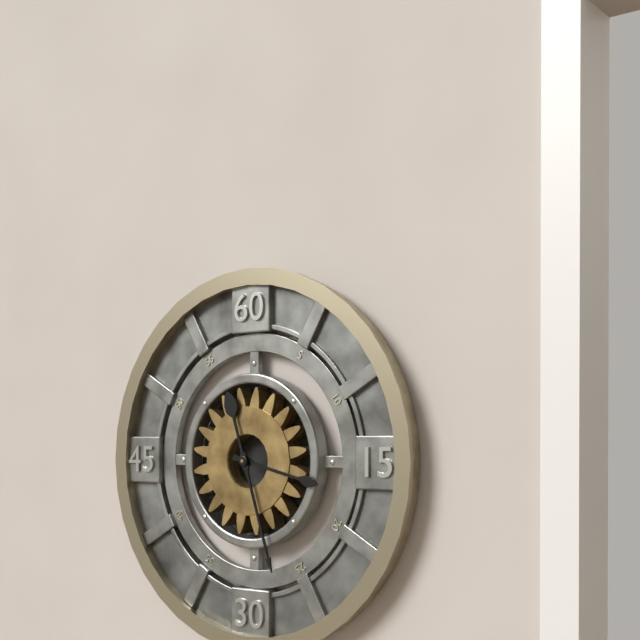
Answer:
{"hour": 3, "minute": 27}
